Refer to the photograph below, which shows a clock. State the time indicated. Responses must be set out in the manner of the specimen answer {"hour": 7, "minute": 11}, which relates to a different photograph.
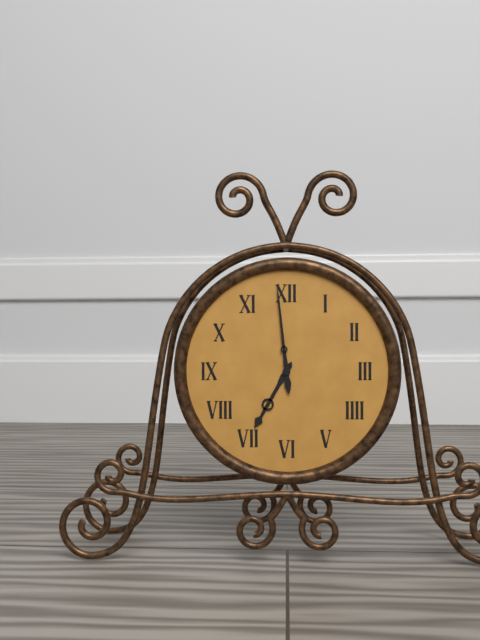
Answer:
{"hour": 6, "minute": 59}
